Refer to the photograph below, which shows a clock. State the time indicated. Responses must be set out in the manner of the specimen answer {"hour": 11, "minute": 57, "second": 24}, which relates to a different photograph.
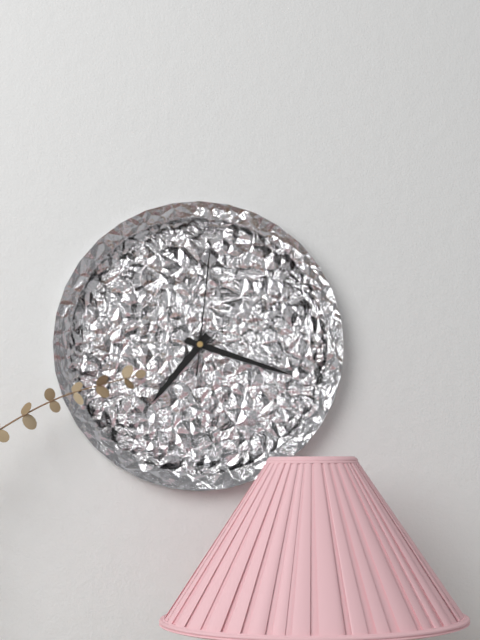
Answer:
{"hour": 7, "minute": 18, "second": 1}
